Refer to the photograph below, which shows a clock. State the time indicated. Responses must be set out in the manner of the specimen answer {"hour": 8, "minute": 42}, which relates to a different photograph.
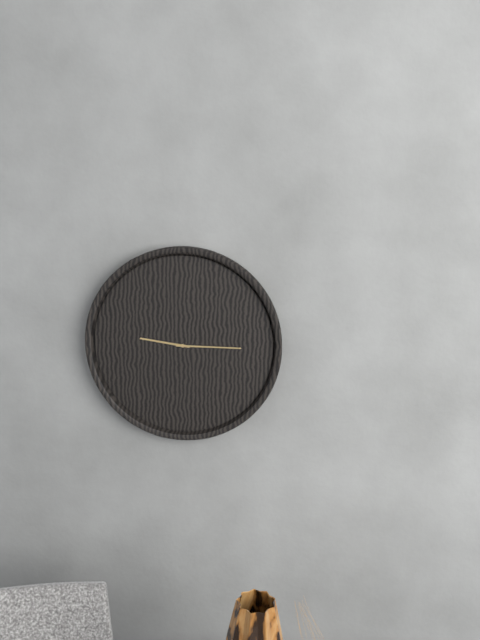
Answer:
{"hour": 9, "minute": 15}
